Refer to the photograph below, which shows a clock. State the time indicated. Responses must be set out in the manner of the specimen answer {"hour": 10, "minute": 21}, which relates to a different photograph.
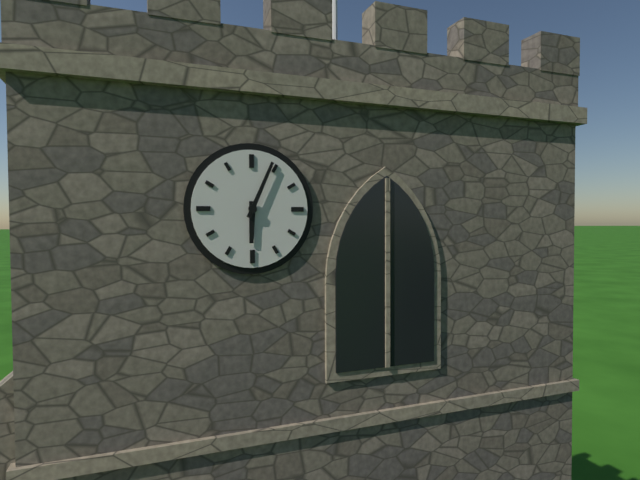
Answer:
{"hour": 6, "minute": 4}
